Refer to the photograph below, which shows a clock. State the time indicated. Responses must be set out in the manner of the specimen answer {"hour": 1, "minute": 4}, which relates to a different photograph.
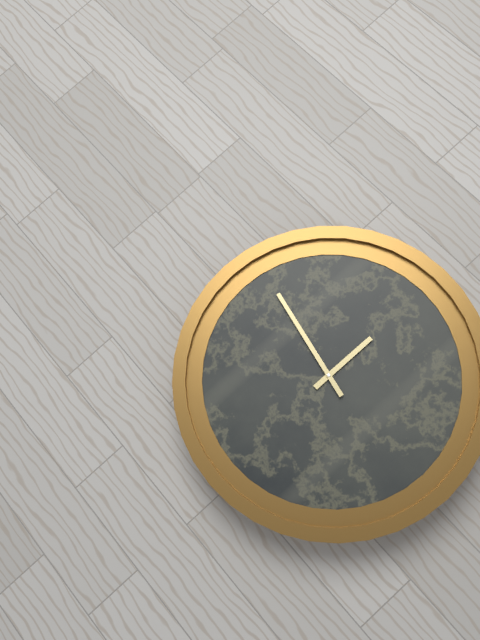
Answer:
{"hour": 3, "minute": 2}
